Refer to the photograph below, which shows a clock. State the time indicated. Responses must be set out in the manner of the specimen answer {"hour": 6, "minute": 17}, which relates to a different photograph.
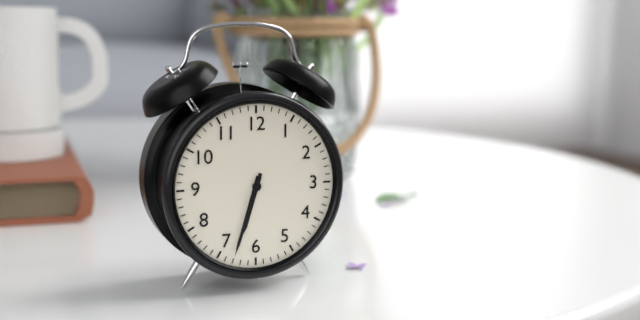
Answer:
{"hour": 6, "minute": 33}
